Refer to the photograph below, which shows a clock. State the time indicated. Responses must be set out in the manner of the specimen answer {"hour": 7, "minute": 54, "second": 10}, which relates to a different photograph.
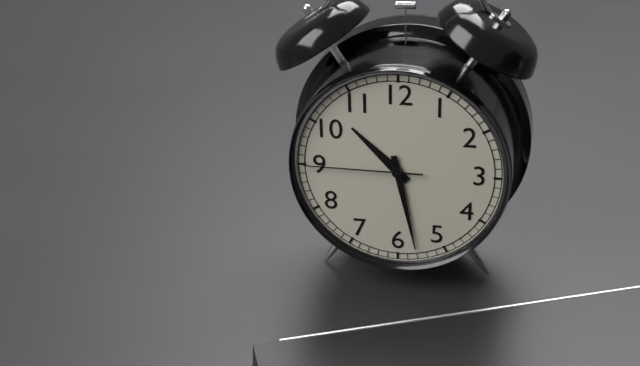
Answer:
{"hour": 10, "minute": 28, "second": 45}
